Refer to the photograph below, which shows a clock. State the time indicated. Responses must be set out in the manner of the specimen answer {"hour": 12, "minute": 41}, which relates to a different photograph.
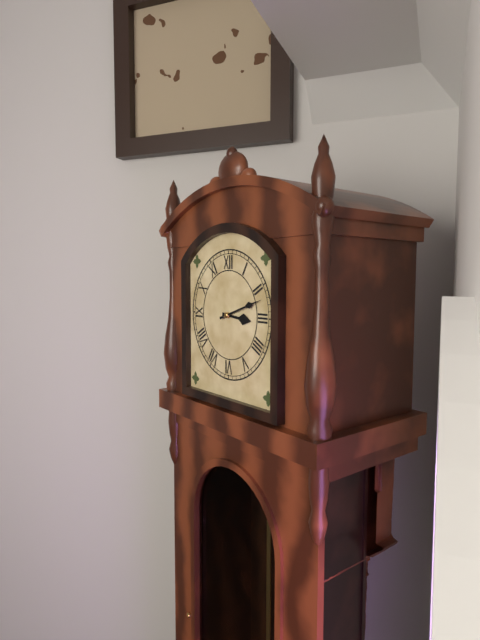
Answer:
{"hour": 3, "minute": 12}
